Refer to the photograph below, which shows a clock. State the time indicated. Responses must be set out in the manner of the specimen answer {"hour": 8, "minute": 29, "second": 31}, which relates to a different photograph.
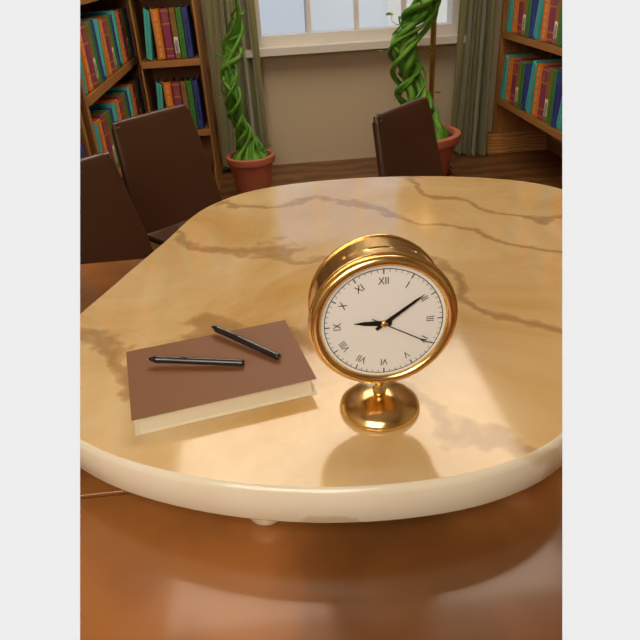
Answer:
{"hour": 9, "minute": 9, "second": 20}
